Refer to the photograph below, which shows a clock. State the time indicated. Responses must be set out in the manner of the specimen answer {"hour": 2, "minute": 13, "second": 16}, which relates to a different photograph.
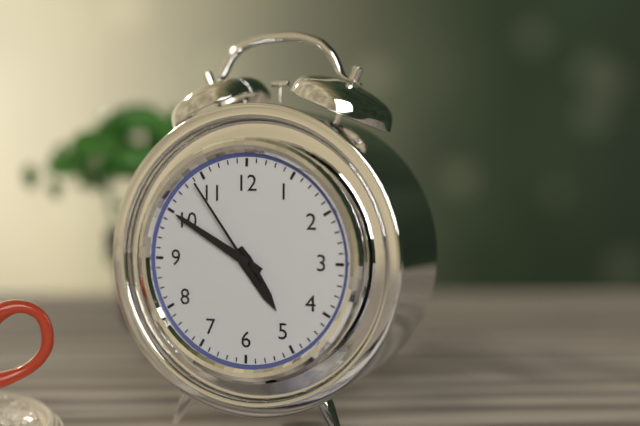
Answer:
{"hour": 4, "minute": 50, "second": 54}
